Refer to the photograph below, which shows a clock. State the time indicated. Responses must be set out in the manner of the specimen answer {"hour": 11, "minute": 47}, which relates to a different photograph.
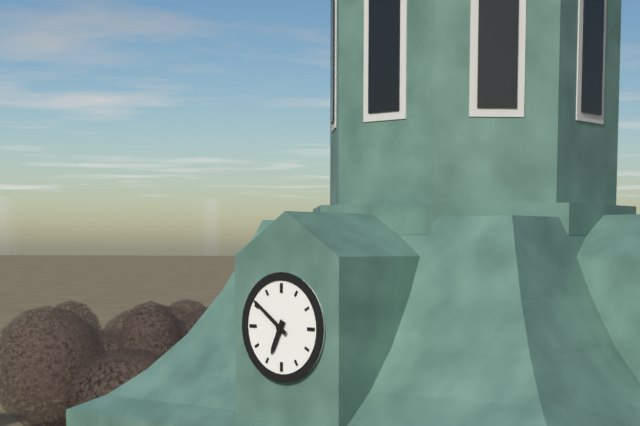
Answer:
{"hour": 6, "minute": 51}
